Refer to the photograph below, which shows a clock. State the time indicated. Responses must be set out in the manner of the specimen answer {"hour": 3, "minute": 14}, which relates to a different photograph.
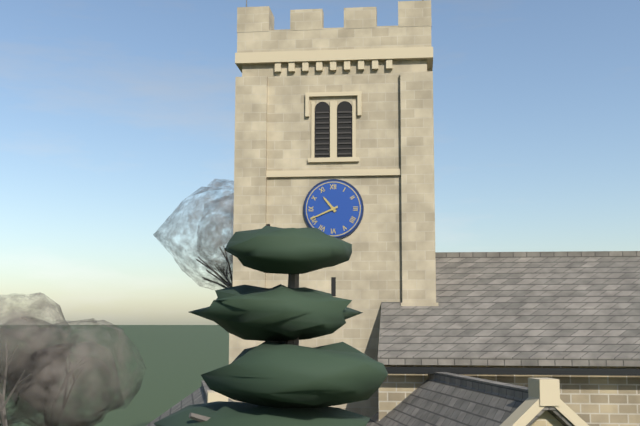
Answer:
{"hour": 10, "minute": 41}
